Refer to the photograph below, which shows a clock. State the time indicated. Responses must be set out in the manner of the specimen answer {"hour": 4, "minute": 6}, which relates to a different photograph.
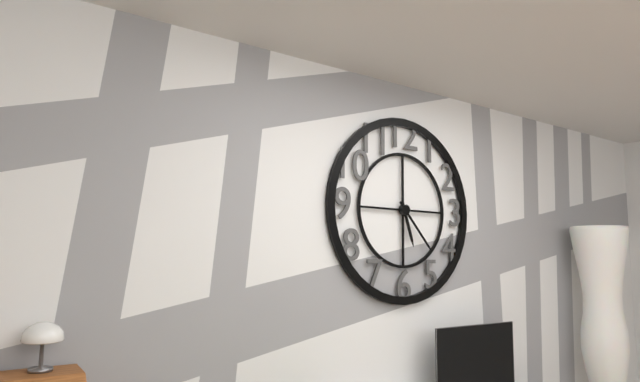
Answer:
{"hour": 5, "minute": 23}
